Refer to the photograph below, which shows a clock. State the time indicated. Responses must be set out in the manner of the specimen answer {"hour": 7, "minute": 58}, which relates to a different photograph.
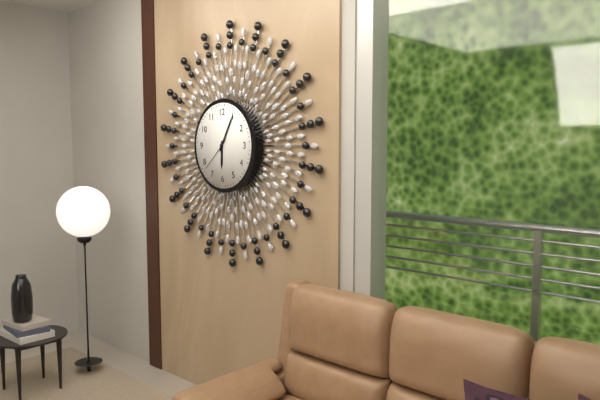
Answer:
{"hour": 6, "minute": 5}
